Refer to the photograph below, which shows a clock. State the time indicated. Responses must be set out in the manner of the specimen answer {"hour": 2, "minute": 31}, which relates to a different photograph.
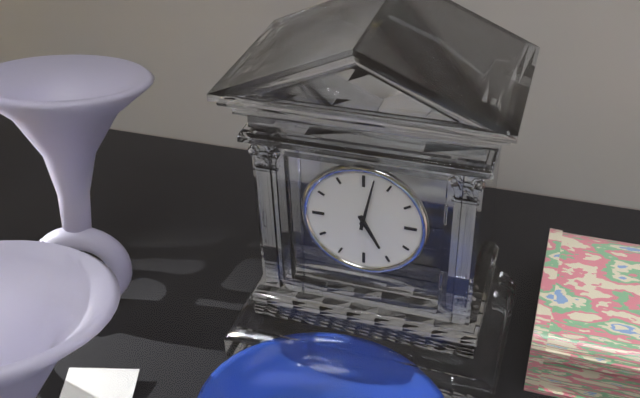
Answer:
{"hour": 5, "minute": 2}
